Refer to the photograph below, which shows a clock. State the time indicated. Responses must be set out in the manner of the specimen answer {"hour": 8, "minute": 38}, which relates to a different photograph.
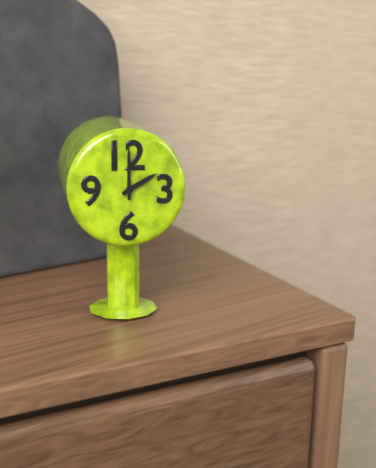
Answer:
{"hour": 2, "minute": 0}
